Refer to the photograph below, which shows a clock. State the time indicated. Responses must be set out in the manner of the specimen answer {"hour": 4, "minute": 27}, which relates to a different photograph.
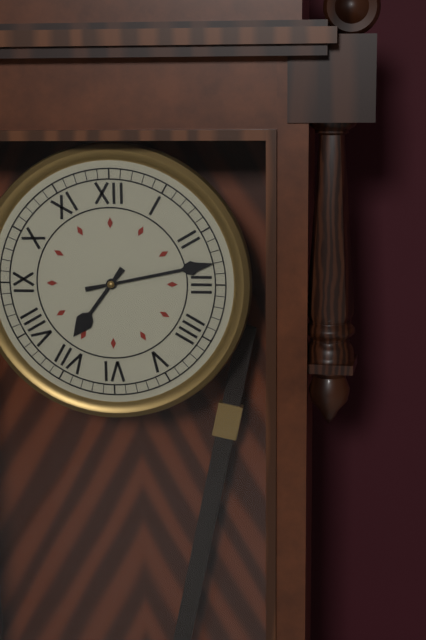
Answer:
{"hour": 7, "minute": 13}
